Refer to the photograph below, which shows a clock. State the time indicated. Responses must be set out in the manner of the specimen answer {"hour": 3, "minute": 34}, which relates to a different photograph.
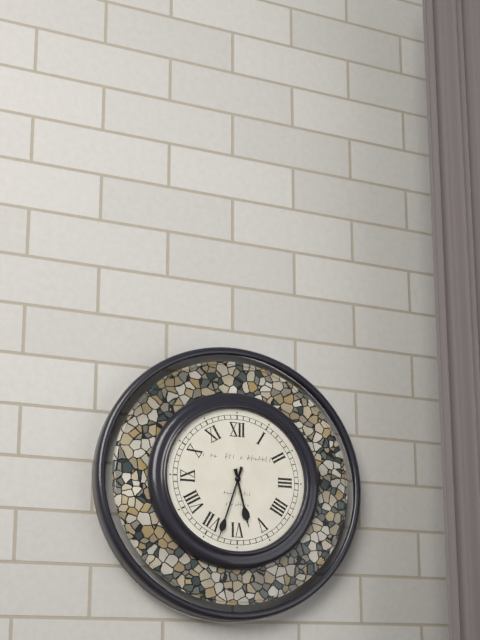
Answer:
{"hour": 5, "minute": 33}
